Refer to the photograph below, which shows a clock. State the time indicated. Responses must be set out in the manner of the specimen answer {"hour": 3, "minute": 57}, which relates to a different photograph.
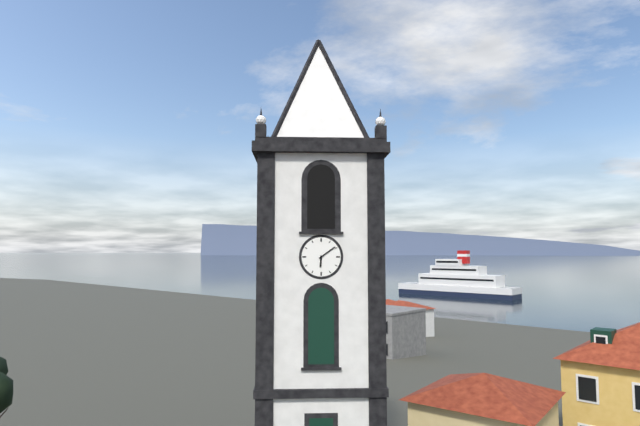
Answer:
{"hour": 6, "minute": 9}
